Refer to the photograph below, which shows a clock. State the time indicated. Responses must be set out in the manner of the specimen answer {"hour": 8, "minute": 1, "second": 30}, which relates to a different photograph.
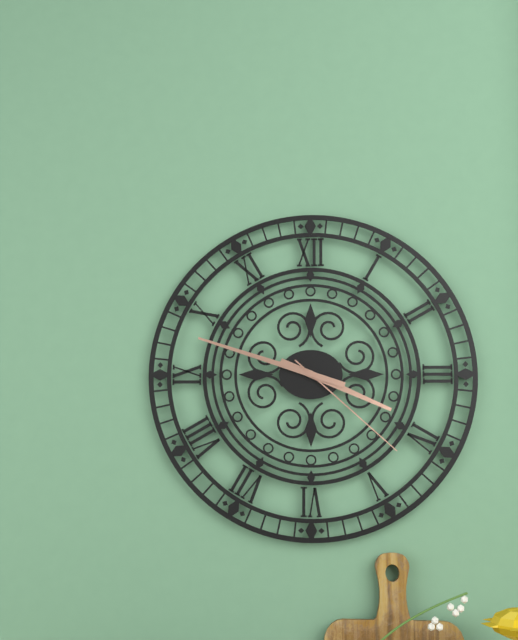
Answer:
{"hour": 3, "minute": 48, "second": 22}
